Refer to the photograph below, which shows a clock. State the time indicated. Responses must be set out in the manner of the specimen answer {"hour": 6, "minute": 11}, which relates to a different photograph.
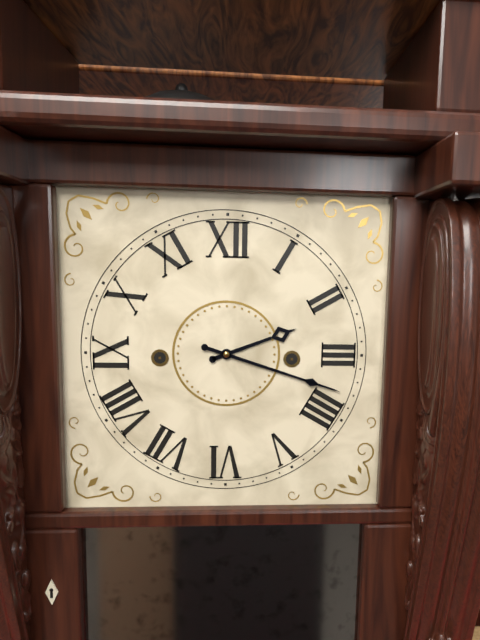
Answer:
{"hour": 2, "minute": 18}
